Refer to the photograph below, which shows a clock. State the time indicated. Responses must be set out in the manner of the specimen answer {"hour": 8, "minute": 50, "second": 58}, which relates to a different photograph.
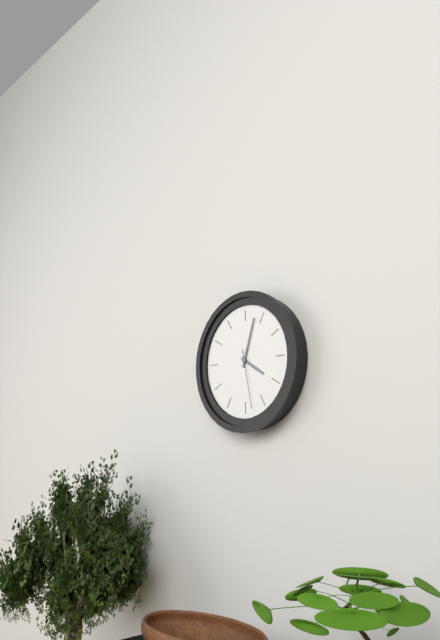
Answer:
{"hour": 4, "minute": 3, "second": 28}
